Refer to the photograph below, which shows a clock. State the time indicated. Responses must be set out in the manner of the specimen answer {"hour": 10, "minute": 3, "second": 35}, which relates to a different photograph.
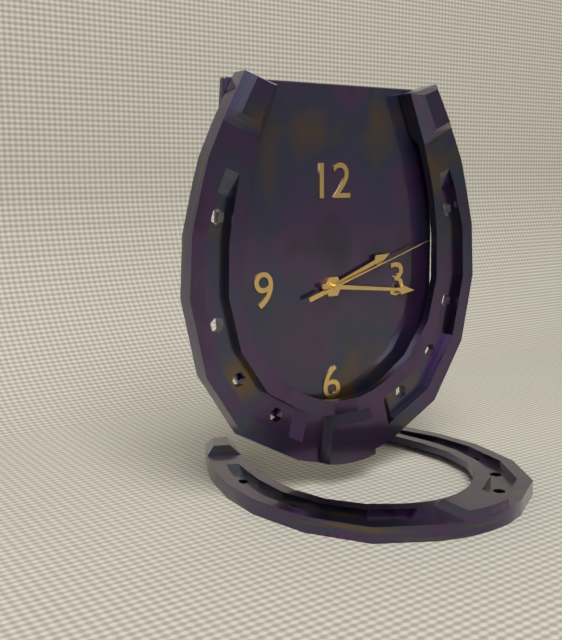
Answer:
{"hour": 2, "minute": 16, "second": 12}
